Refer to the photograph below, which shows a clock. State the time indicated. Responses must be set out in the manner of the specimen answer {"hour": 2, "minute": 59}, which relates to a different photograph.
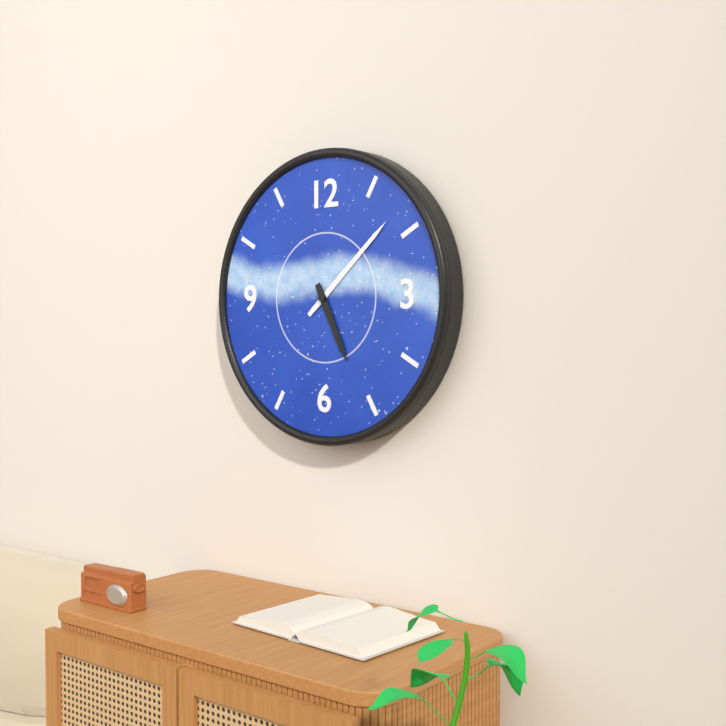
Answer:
{"hour": 5, "minute": 8}
